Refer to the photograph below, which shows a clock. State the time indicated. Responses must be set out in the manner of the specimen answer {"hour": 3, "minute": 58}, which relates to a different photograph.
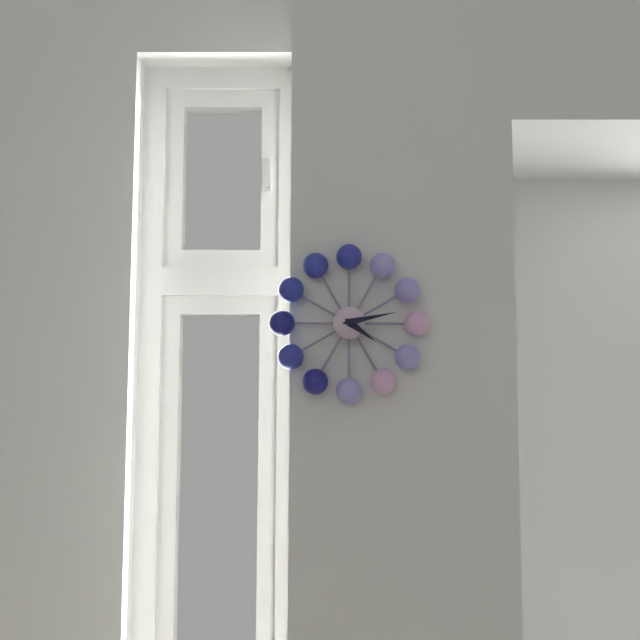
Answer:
{"hour": 4, "minute": 13}
